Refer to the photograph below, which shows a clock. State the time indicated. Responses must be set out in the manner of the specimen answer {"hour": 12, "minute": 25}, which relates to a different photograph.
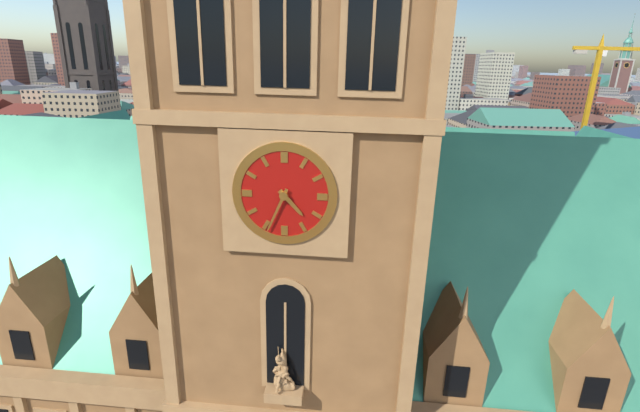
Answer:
{"hour": 4, "minute": 34}
